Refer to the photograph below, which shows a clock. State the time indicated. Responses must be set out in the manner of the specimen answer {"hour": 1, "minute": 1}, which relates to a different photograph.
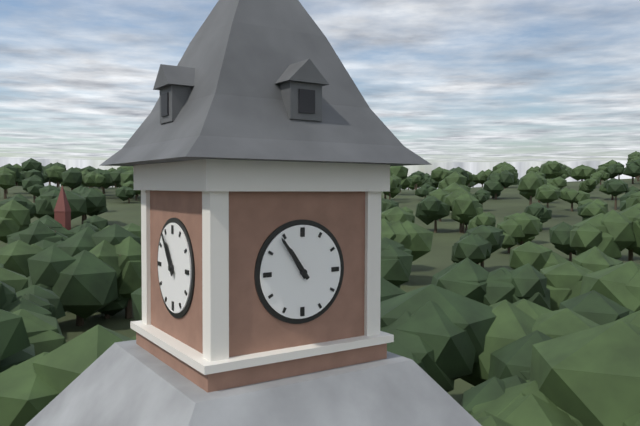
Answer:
{"hour": 10, "minute": 54}
